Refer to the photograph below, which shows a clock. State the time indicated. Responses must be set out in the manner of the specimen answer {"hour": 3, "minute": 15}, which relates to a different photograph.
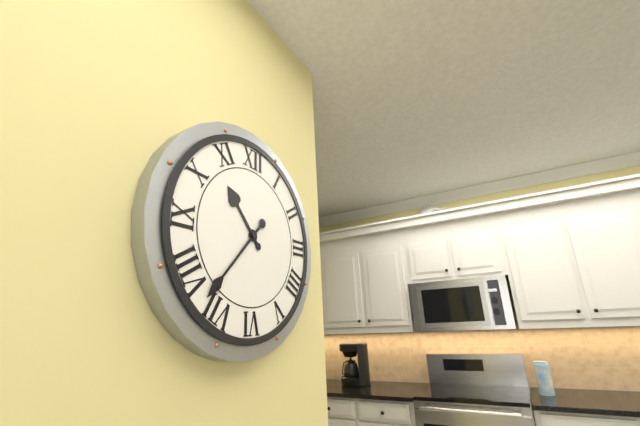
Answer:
{"hour": 10, "minute": 37}
